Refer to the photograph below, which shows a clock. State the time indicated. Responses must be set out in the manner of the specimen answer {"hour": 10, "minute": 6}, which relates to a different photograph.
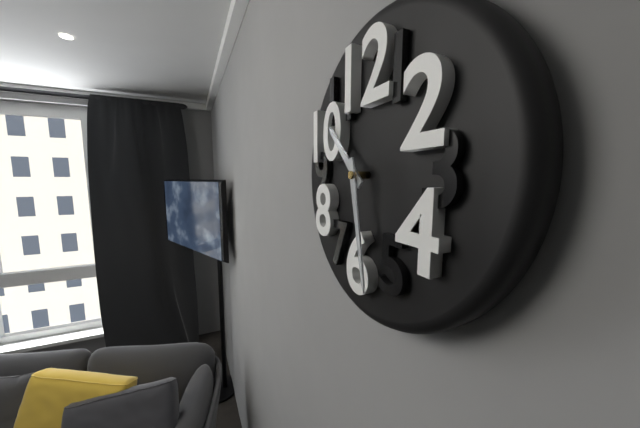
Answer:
{"hour": 10, "minute": 28}
